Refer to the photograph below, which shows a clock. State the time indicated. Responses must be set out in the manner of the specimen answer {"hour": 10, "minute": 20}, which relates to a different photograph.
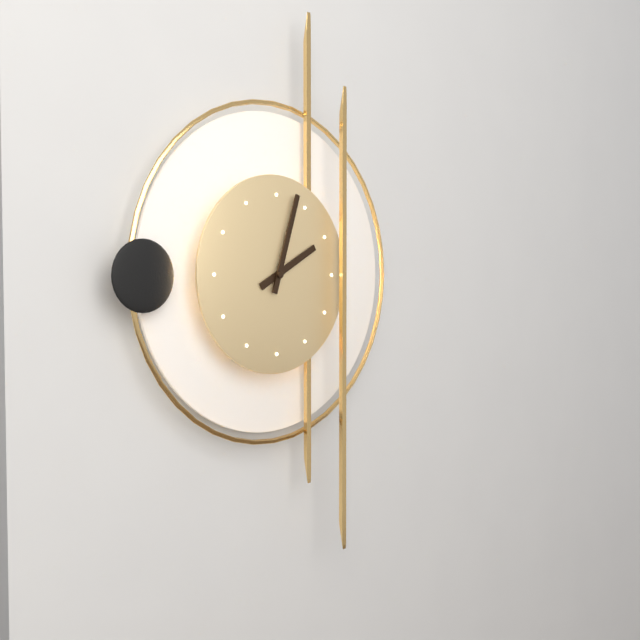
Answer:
{"hour": 2, "minute": 3}
